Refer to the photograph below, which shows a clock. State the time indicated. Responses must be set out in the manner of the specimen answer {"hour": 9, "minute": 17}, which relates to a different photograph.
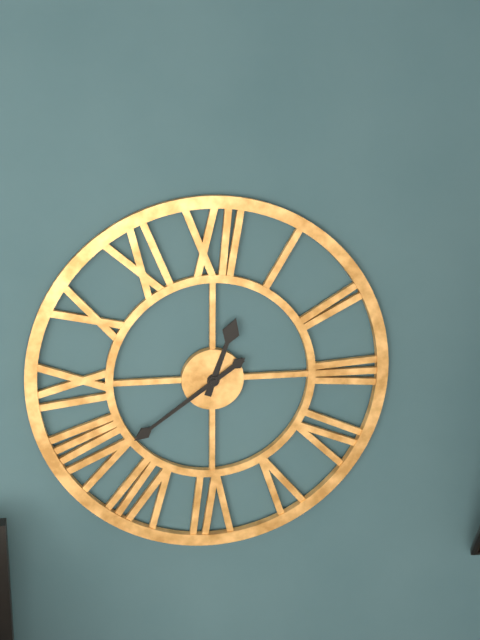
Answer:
{"hour": 12, "minute": 39}
